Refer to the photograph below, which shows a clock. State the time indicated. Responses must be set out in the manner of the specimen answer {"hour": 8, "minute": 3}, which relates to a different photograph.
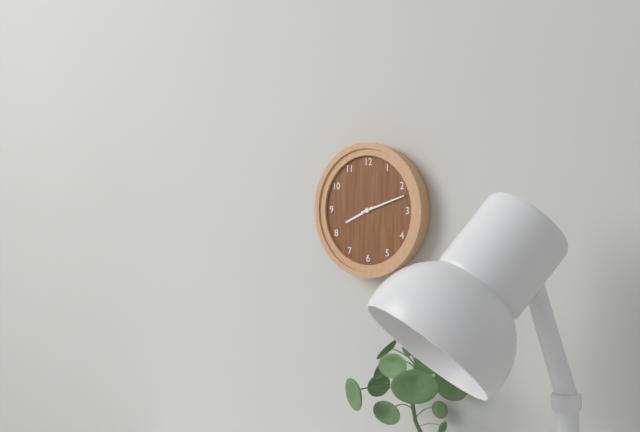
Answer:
{"hour": 8, "minute": 12}
